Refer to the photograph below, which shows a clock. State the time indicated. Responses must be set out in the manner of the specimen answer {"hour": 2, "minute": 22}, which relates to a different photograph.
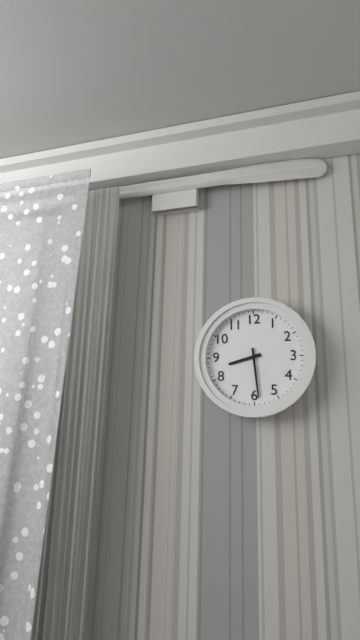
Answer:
{"hour": 8, "minute": 29}
